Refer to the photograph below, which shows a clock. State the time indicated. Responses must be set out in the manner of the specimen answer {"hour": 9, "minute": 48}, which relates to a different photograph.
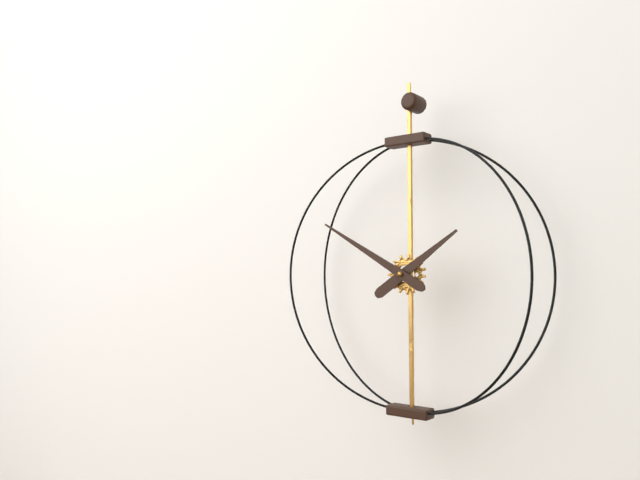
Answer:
{"hour": 1, "minute": 50}
